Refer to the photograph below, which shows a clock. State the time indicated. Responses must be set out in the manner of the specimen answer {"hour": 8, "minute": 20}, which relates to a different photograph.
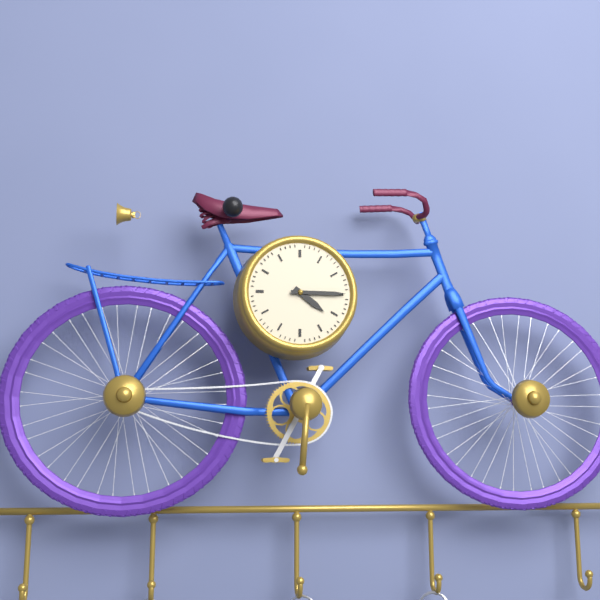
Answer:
{"hour": 4, "minute": 15}
